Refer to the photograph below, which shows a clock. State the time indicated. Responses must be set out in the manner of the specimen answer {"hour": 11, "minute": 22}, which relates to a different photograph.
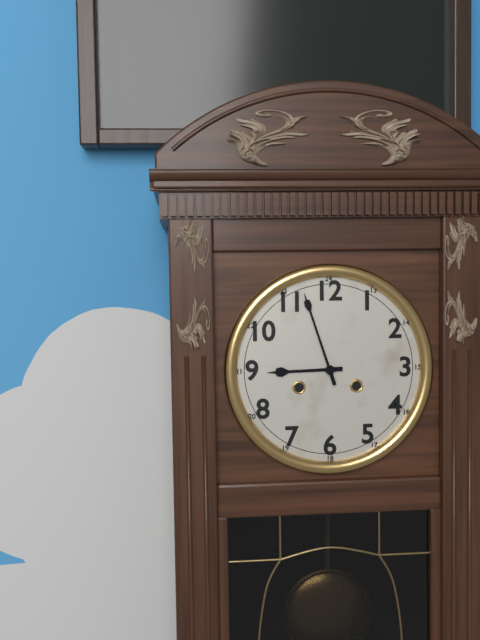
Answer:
{"hour": 8, "minute": 57}
